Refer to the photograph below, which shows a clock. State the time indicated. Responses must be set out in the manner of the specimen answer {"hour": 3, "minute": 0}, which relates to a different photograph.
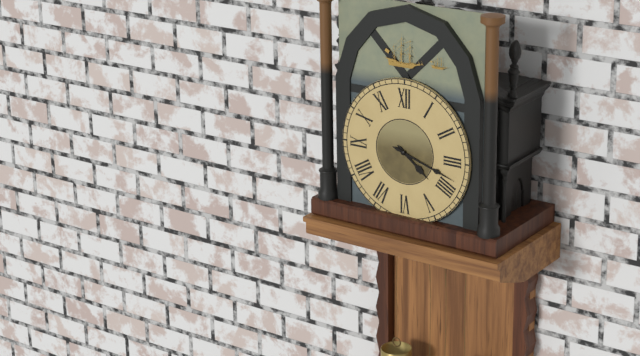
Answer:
{"hour": 4, "minute": 18}
